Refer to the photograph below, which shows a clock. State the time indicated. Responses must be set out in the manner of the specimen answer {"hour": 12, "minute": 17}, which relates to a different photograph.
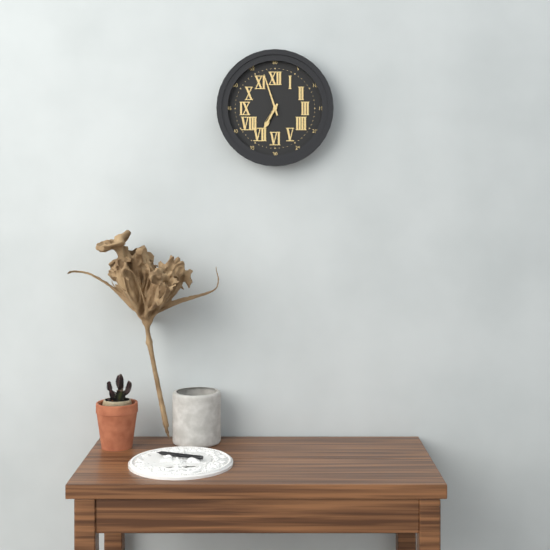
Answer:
{"hour": 6, "minute": 57}
